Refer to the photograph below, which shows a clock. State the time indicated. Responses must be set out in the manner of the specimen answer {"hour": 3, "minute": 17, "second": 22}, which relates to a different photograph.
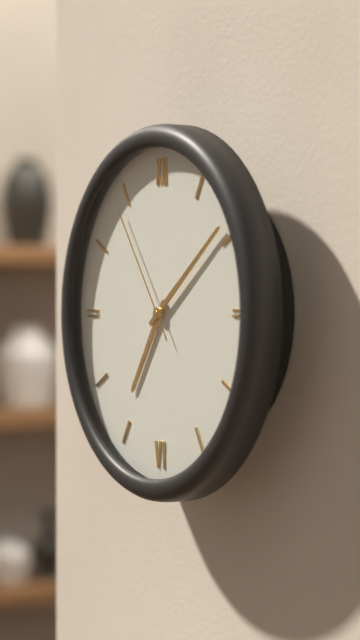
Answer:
{"hour": 7, "minute": 9, "second": 54}
